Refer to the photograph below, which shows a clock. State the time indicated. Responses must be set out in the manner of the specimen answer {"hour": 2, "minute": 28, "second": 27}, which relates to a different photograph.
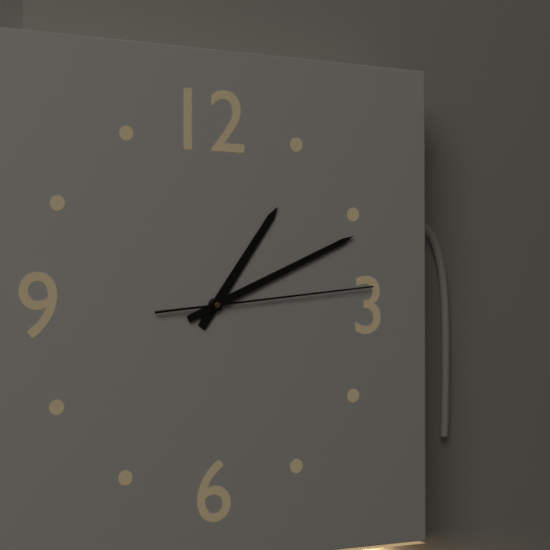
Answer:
{"hour": 1, "minute": 11, "second": 14}
